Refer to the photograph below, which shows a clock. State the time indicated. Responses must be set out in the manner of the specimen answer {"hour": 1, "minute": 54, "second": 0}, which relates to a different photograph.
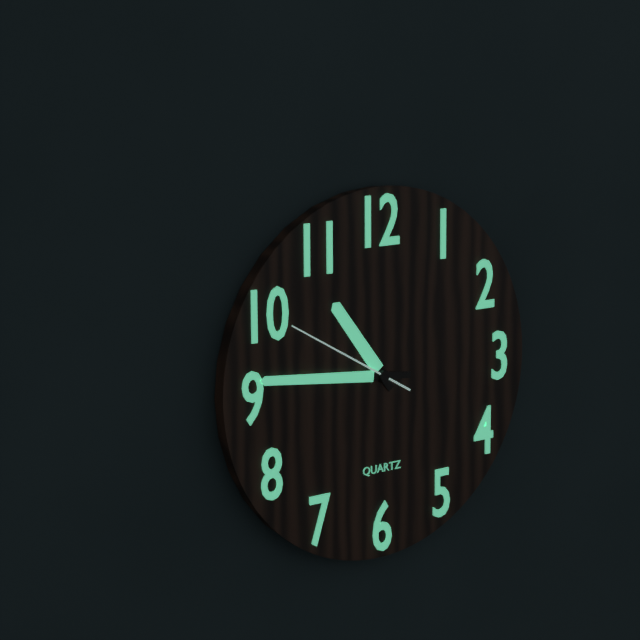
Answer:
{"hour": 10, "minute": 46, "second": 50}
